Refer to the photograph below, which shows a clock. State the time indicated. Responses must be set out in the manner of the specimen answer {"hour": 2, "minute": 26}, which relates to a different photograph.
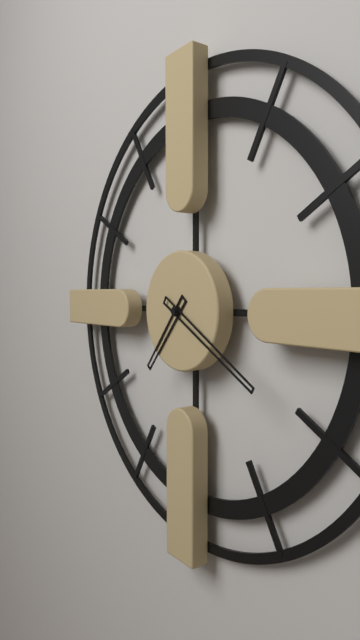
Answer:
{"hour": 7, "minute": 20}
